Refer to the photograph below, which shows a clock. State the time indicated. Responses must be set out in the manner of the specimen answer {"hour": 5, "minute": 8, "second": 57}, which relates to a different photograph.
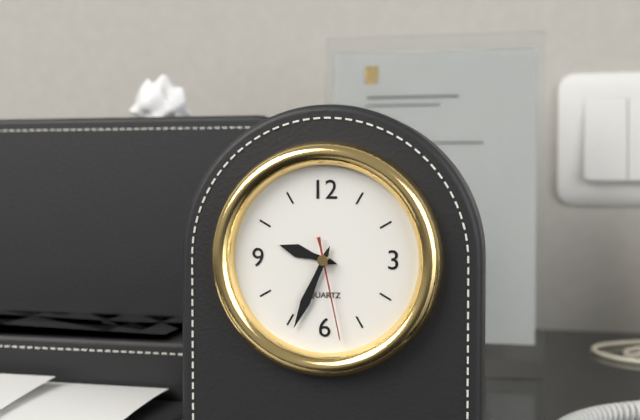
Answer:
{"hour": 9, "minute": 34, "second": 28}
